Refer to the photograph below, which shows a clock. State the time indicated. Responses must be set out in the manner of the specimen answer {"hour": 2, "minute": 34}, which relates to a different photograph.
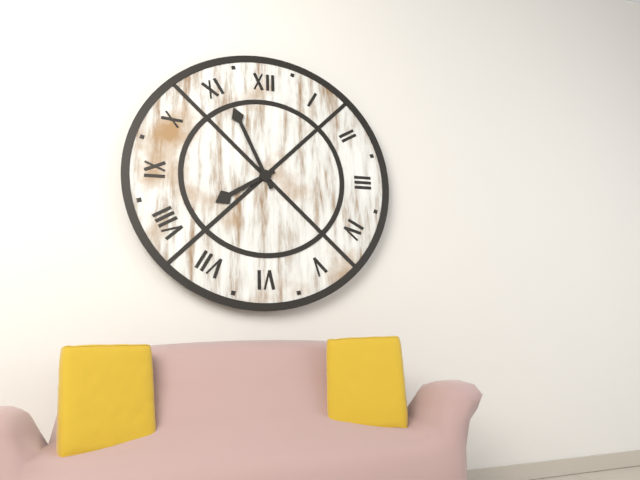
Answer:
{"hour": 7, "minute": 56}
